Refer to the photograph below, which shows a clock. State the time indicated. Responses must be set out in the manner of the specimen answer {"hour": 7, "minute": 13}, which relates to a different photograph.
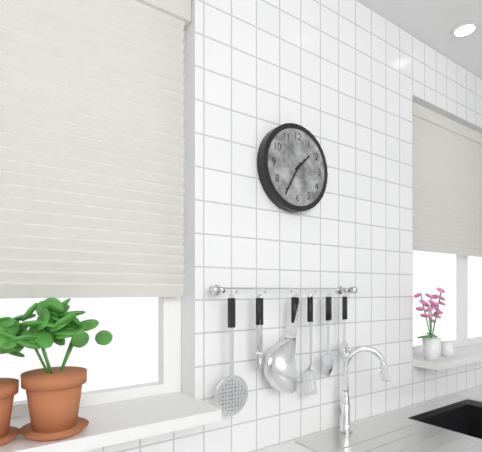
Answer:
{"hour": 1, "minute": 35}
